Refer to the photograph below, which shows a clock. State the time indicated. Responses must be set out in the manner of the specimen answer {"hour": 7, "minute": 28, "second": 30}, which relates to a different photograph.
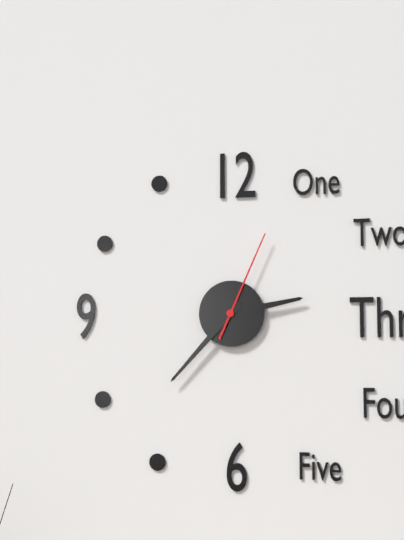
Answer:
{"hour": 2, "minute": 37, "second": 4}
